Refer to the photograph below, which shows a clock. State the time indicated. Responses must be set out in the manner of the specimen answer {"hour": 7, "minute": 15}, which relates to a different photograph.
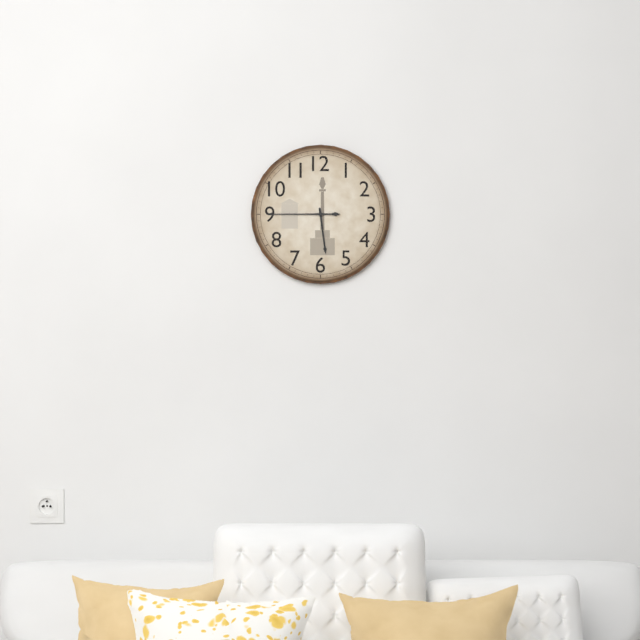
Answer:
{"hour": 5, "minute": 45}
